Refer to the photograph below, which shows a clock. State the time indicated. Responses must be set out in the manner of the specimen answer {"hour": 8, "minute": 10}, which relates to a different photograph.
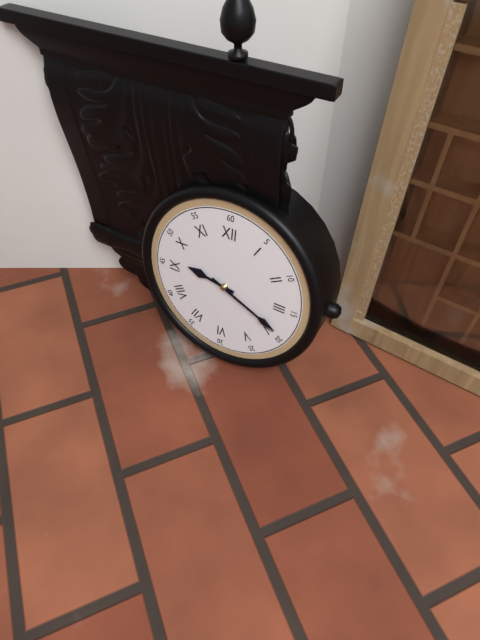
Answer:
{"hour": 9, "minute": 19}
